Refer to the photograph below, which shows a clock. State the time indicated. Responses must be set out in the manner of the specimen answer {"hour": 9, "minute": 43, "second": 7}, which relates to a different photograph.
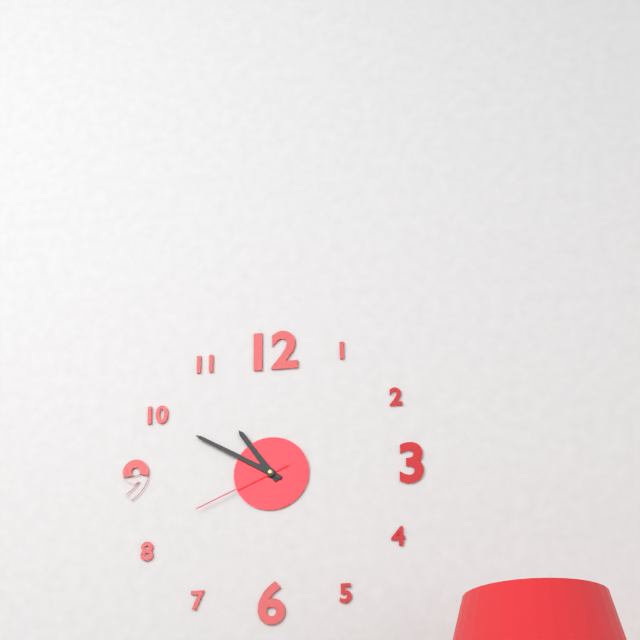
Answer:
{"hour": 10, "minute": 50, "second": 41}
